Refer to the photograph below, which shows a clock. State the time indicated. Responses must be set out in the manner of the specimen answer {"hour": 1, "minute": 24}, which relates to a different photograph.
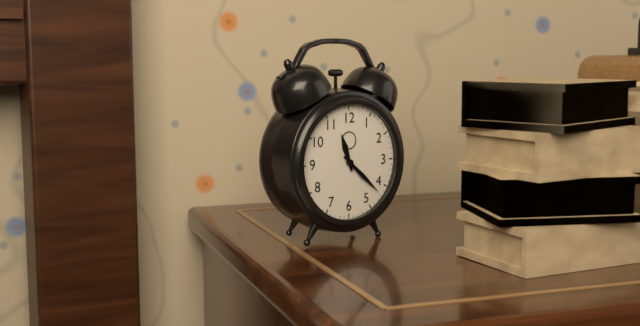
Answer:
{"hour": 11, "minute": 22}
